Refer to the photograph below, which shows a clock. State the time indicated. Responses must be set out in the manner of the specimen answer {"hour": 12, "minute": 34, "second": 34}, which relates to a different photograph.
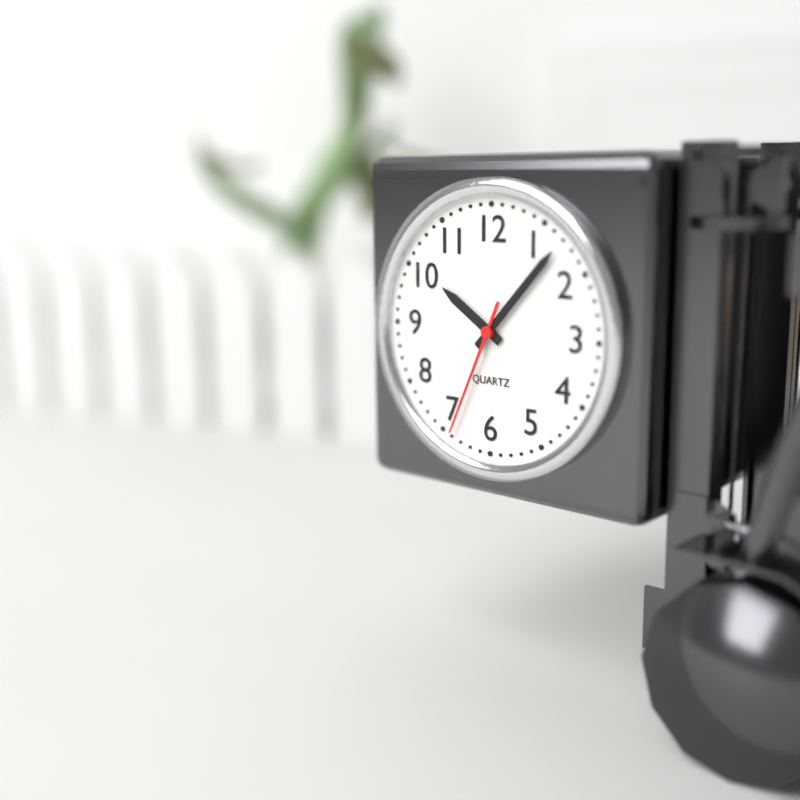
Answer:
{"hour": 10, "minute": 7, "second": 34}
